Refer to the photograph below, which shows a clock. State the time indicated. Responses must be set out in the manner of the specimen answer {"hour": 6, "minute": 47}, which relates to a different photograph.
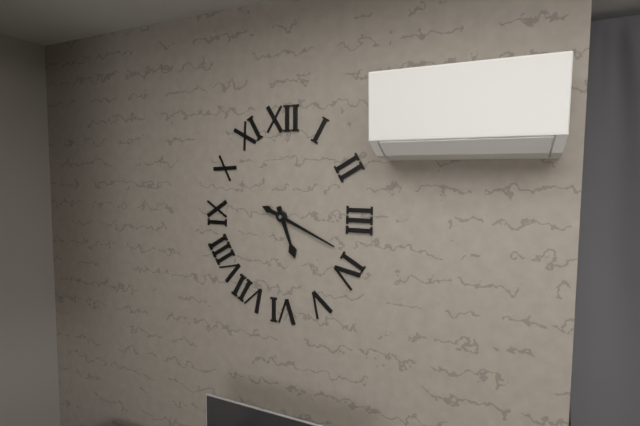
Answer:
{"hour": 5, "minute": 19}
